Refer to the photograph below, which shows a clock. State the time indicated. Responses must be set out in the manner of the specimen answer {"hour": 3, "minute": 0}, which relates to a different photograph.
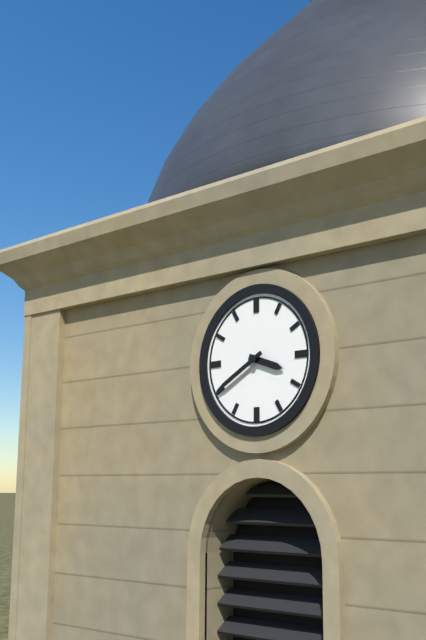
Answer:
{"hour": 3, "minute": 40}
